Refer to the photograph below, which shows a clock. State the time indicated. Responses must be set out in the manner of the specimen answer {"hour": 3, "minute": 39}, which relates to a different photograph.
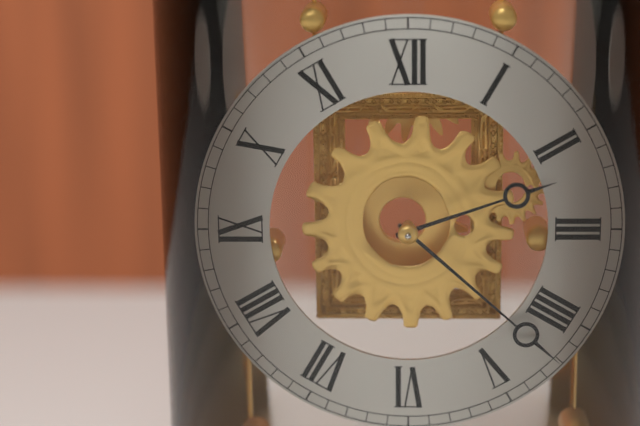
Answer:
{"hour": 2, "minute": 22}
